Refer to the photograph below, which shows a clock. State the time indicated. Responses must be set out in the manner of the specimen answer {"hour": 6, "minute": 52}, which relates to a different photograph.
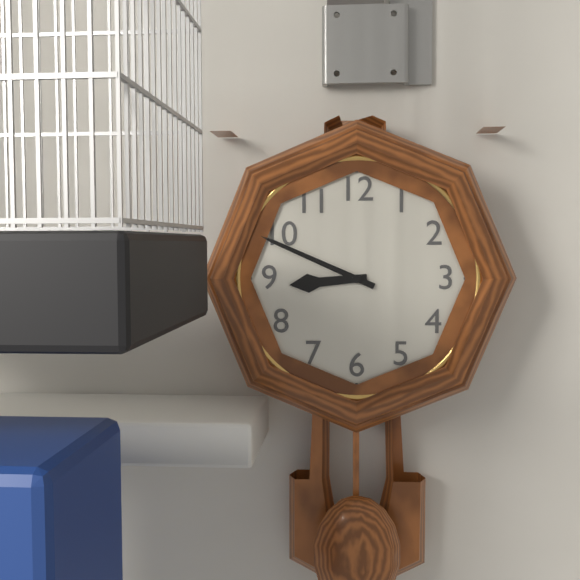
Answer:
{"hour": 8, "minute": 49}
